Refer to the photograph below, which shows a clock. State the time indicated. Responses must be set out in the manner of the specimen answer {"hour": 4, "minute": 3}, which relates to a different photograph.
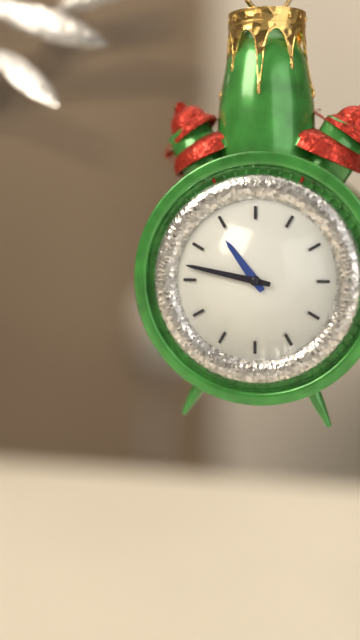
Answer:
{"hour": 10, "minute": 47}
